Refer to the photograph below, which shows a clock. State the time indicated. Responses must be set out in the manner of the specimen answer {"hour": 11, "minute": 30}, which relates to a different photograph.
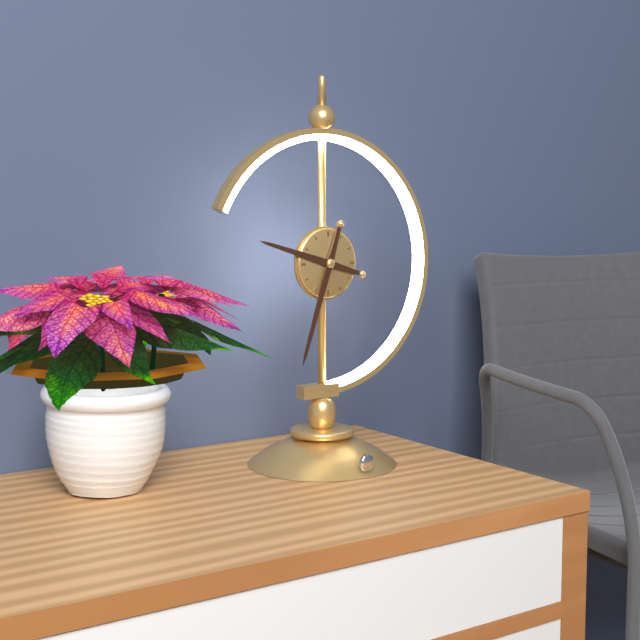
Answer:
{"hour": 9, "minute": 33}
